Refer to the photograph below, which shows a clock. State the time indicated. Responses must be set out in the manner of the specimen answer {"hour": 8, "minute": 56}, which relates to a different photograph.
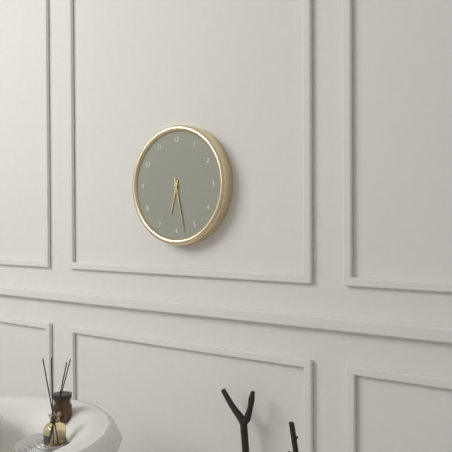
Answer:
{"hour": 6, "minute": 28}
